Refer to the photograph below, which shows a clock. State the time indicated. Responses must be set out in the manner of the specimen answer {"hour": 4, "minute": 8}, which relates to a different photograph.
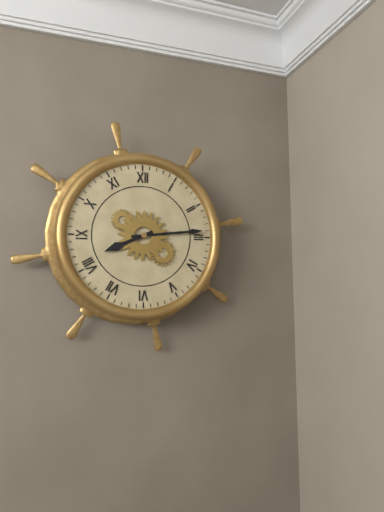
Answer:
{"hour": 8, "minute": 14}
